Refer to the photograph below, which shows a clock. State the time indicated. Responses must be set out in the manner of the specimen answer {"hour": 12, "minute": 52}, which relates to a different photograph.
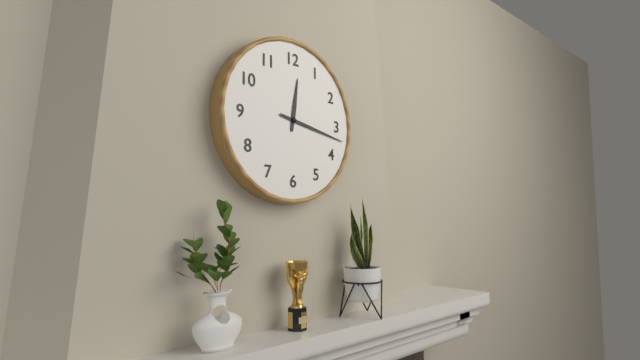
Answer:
{"hour": 12, "minute": 17}
